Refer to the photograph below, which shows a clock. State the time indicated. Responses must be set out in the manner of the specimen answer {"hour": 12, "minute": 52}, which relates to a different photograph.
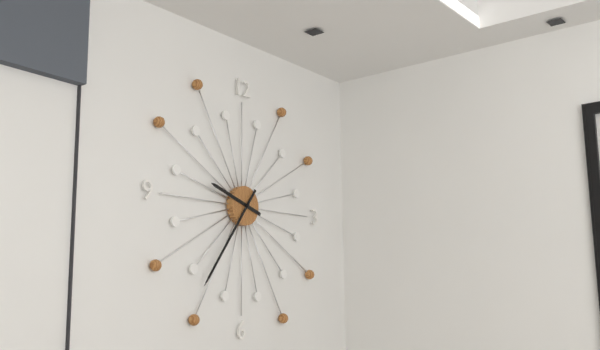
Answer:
{"hour": 9, "minute": 36}
